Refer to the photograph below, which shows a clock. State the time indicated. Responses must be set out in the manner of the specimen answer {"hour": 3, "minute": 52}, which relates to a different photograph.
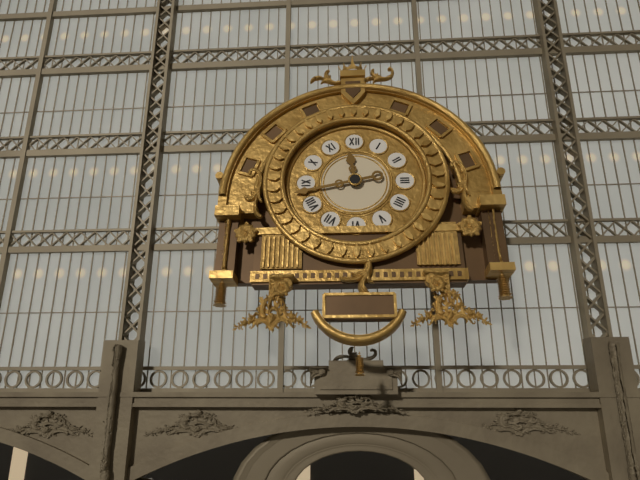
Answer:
{"hour": 11, "minute": 43}
